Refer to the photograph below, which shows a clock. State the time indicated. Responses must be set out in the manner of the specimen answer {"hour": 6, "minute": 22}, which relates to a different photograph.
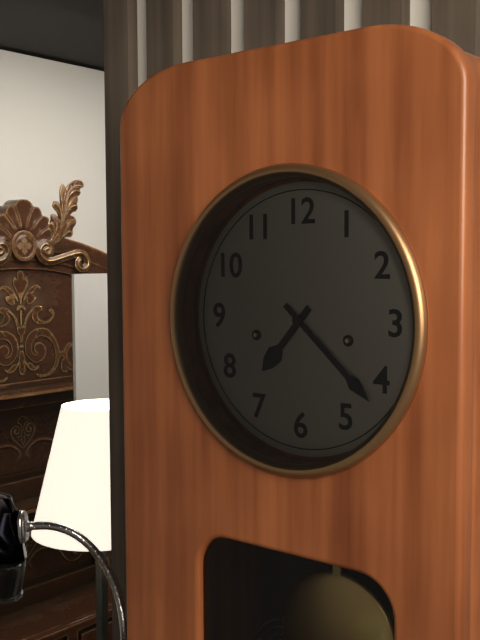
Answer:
{"hour": 7, "minute": 22}
